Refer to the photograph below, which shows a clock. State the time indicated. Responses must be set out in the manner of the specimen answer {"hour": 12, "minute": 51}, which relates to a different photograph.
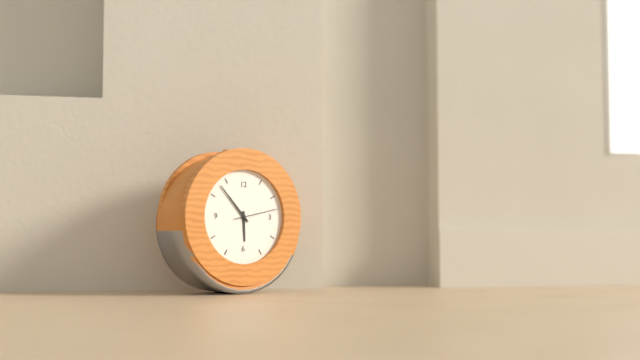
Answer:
{"hour": 5, "minute": 53}
